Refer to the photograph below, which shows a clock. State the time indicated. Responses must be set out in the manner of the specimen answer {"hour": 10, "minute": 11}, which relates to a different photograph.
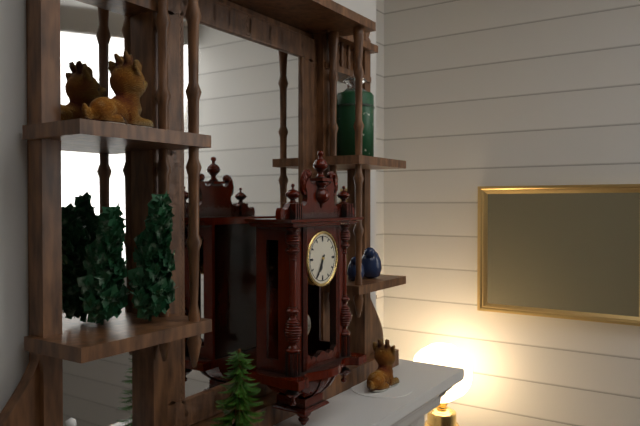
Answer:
{"hour": 6, "minute": 35}
